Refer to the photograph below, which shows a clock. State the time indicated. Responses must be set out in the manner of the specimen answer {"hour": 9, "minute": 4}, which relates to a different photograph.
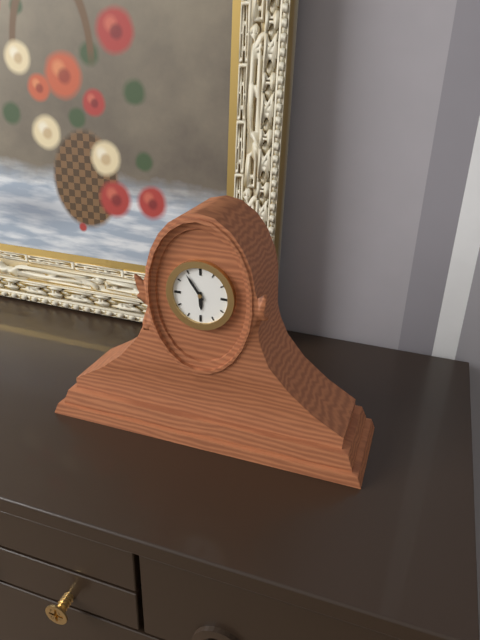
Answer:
{"hour": 5, "minute": 54}
